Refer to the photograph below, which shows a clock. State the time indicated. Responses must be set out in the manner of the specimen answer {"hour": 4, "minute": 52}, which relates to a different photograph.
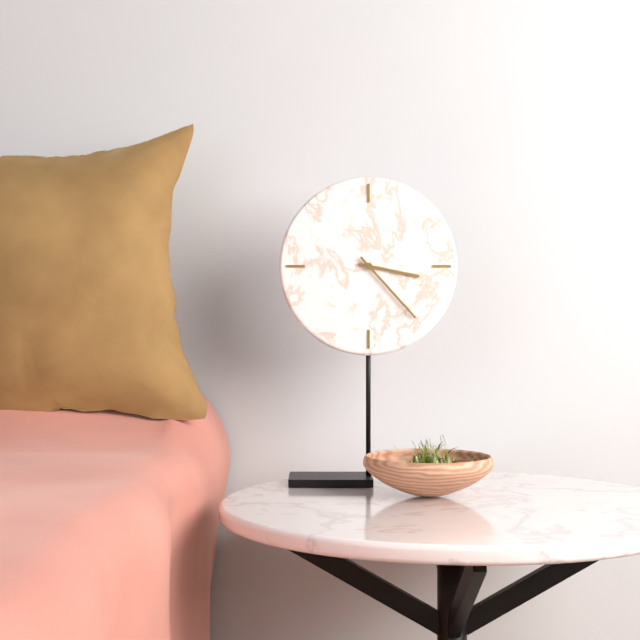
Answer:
{"hour": 3, "minute": 23}
